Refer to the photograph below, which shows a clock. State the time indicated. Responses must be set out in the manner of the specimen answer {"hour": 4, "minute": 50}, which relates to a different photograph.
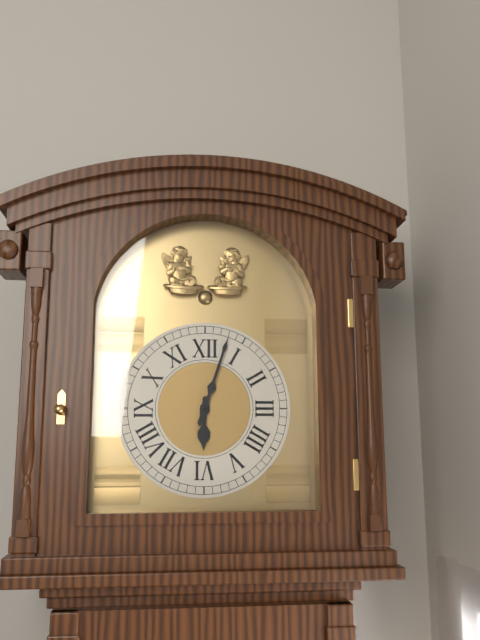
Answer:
{"hour": 6, "minute": 3}
